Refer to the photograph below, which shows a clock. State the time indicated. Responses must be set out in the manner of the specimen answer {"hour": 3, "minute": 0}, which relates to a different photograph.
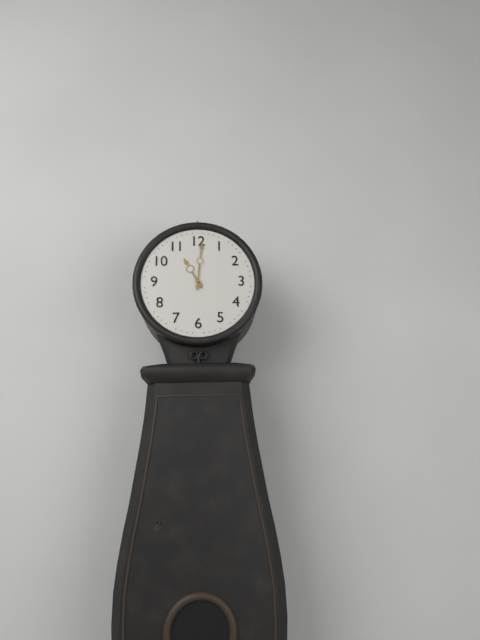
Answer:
{"hour": 11, "minute": 1}
